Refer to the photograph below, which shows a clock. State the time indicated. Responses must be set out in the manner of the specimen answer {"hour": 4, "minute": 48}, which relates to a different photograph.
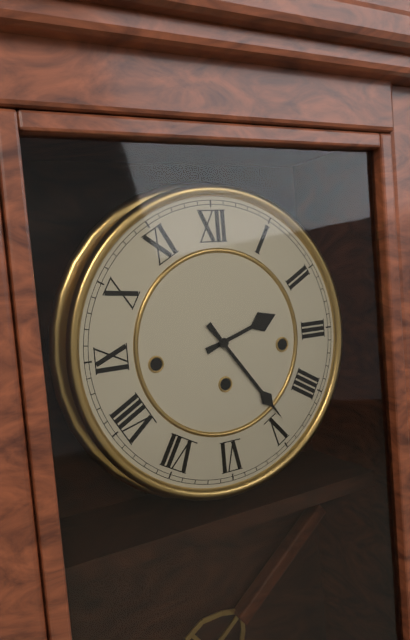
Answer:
{"hour": 2, "minute": 24}
